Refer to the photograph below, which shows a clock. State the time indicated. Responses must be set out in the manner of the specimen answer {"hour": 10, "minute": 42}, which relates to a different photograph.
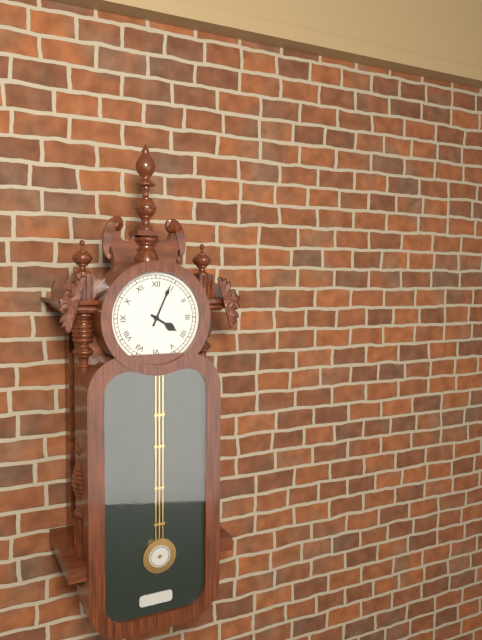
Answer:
{"hour": 4, "minute": 4}
